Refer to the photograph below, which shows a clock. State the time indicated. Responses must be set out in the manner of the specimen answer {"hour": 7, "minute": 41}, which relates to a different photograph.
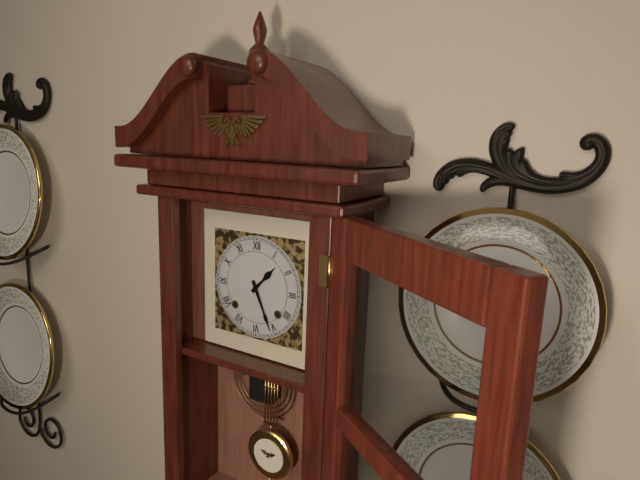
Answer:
{"hour": 1, "minute": 26}
